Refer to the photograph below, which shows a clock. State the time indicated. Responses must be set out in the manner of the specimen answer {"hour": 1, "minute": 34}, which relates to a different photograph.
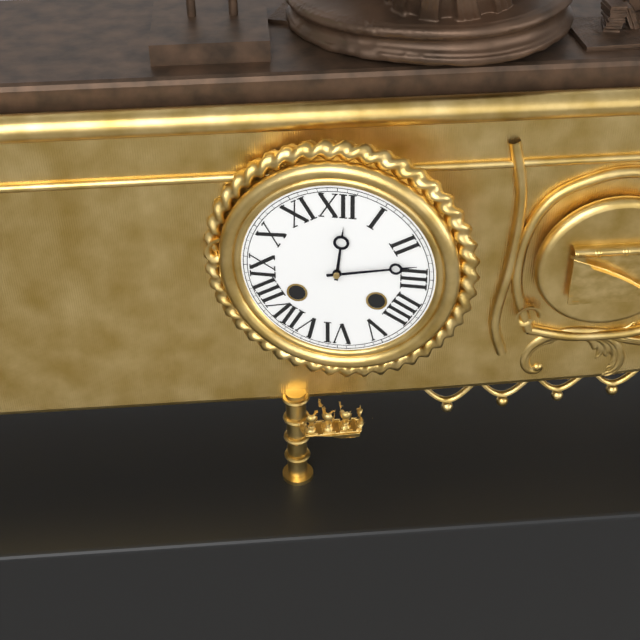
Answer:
{"hour": 12, "minute": 13}
